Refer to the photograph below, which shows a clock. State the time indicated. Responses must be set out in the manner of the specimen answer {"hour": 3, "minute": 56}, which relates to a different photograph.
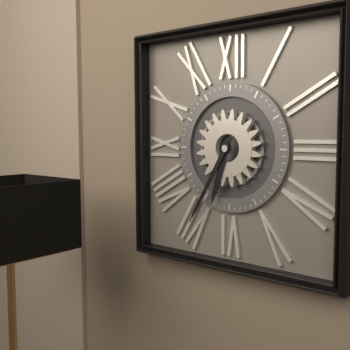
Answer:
{"hour": 6, "minute": 35}
